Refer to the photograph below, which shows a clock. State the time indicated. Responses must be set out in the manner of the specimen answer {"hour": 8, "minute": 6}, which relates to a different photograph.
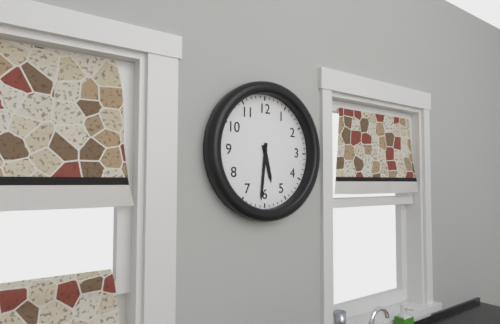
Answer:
{"hour": 5, "minute": 31}
